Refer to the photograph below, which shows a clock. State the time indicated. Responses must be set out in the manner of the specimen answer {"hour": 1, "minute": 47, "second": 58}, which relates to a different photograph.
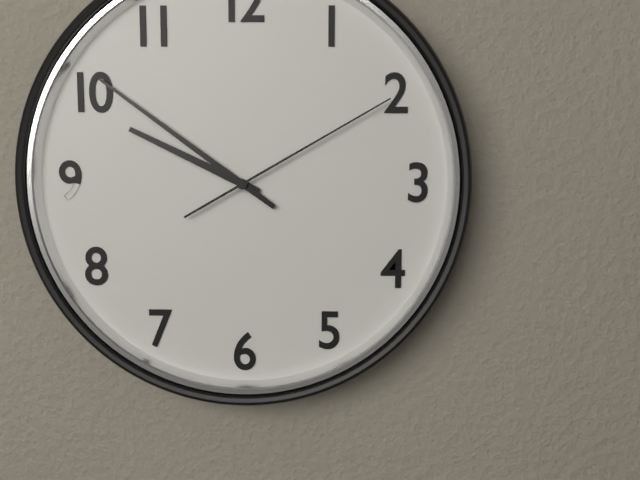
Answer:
{"hour": 9, "minute": 51, "second": 10}
